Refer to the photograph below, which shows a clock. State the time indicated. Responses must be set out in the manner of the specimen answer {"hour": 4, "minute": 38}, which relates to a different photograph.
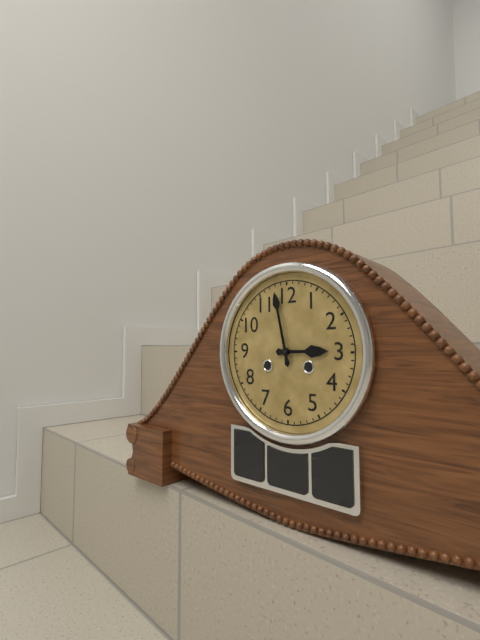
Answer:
{"hour": 2, "minute": 58}
